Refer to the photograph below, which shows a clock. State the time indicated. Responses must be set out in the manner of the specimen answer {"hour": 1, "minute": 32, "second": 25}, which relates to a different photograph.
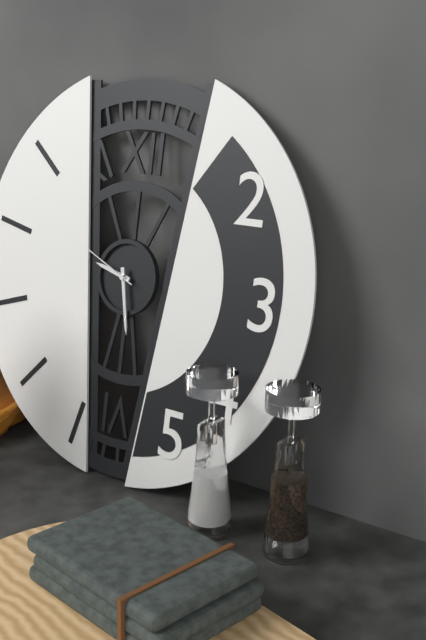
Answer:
{"hour": 9, "minute": 28, "second": 49}
